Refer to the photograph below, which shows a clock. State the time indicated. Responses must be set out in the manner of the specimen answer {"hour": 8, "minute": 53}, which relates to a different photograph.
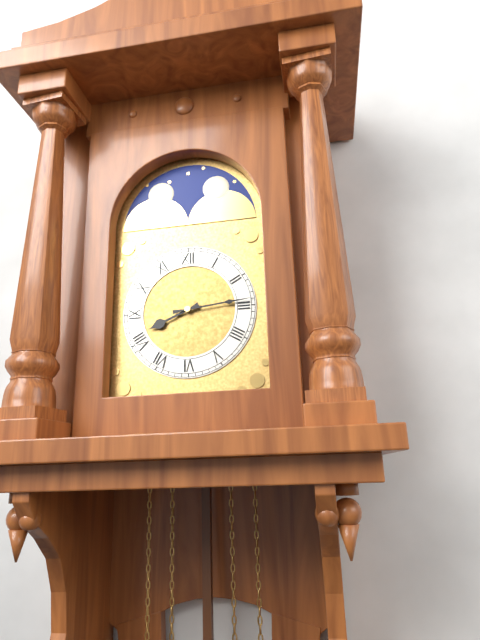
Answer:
{"hour": 8, "minute": 14}
